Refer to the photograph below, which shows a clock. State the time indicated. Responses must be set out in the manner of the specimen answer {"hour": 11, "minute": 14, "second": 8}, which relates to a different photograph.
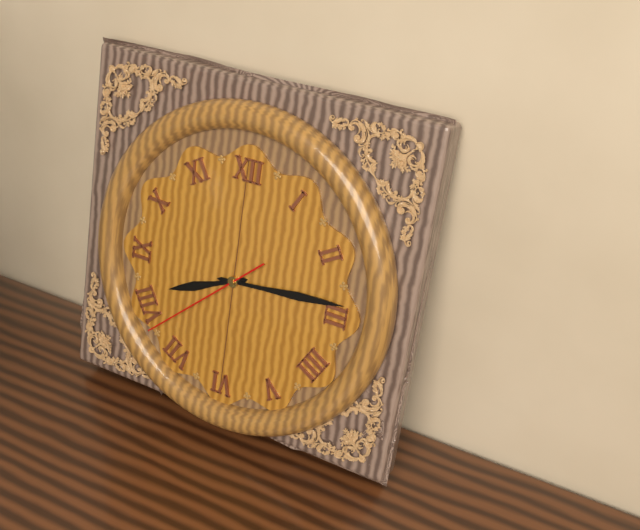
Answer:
{"hour": 8, "minute": 14, "second": 38}
